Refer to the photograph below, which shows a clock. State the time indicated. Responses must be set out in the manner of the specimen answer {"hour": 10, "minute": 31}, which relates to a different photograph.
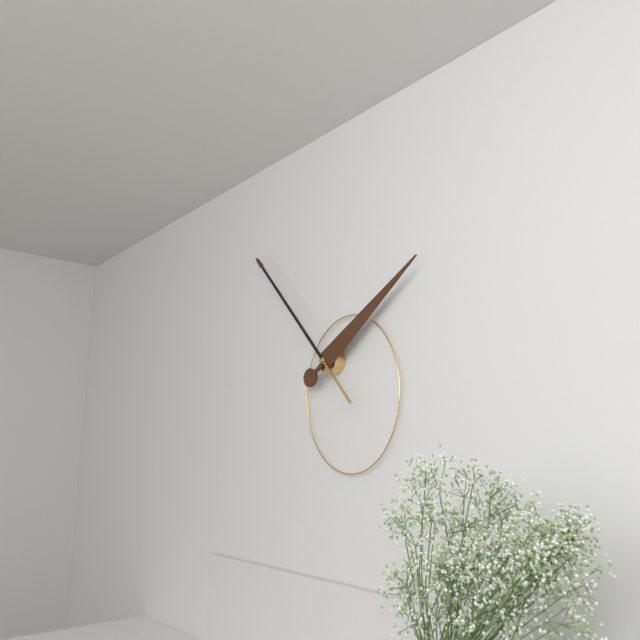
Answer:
{"hour": 1, "minute": 53}
